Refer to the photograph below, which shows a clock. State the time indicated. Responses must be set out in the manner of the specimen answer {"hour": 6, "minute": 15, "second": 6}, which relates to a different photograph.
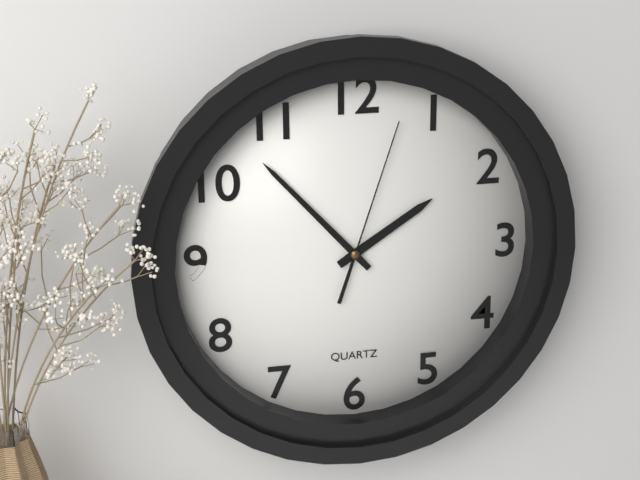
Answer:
{"hour": 1, "minute": 53, "second": 3}
